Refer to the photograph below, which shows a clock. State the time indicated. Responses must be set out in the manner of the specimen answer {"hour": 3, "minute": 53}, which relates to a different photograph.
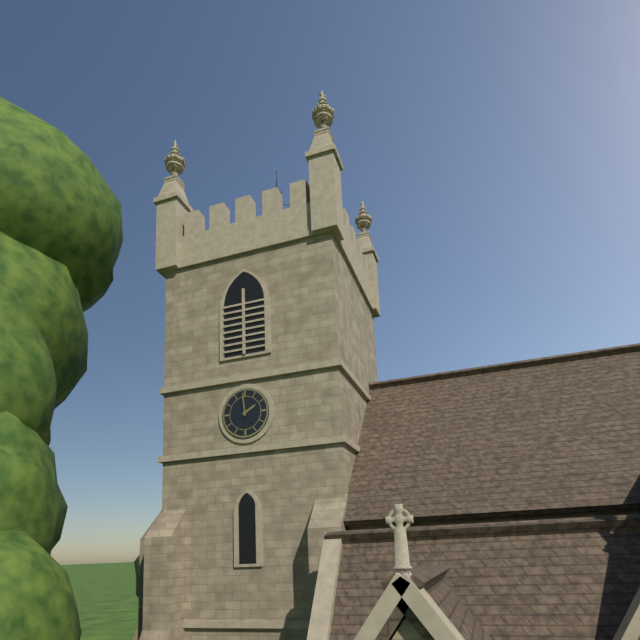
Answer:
{"hour": 1, "minute": 59}
